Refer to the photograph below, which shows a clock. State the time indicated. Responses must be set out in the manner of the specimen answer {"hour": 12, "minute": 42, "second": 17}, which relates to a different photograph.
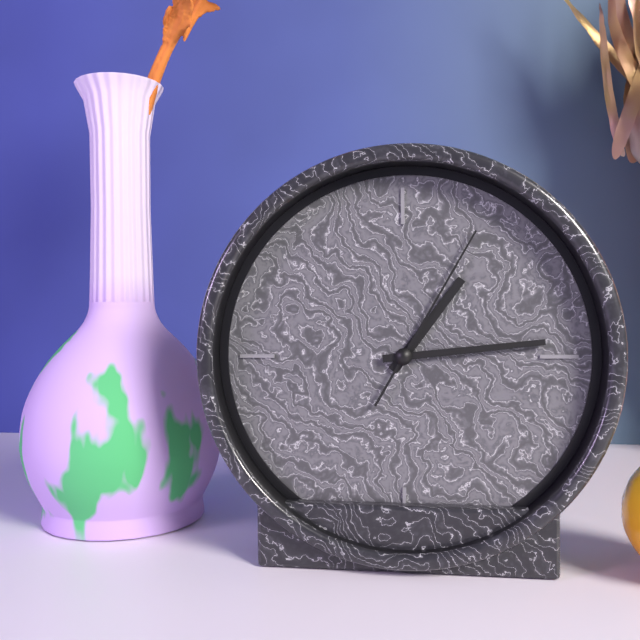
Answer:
{"hour": 1, "minute": 14, "second": 5}
